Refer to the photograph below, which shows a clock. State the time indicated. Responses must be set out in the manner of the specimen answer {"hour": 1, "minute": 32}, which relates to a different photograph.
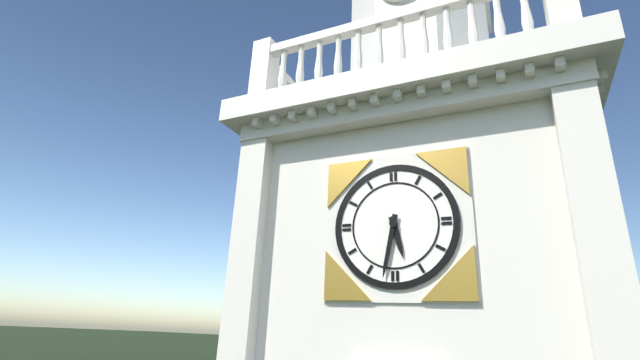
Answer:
{"hour": 5, "minute": 32}
